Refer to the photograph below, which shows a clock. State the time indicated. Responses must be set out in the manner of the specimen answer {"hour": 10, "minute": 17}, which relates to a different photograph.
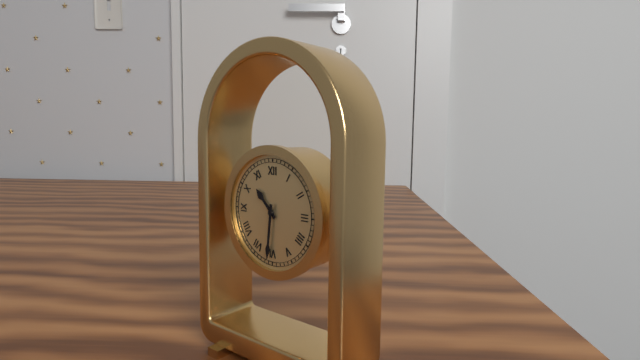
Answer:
{"hour": 10, "minute": 31}
